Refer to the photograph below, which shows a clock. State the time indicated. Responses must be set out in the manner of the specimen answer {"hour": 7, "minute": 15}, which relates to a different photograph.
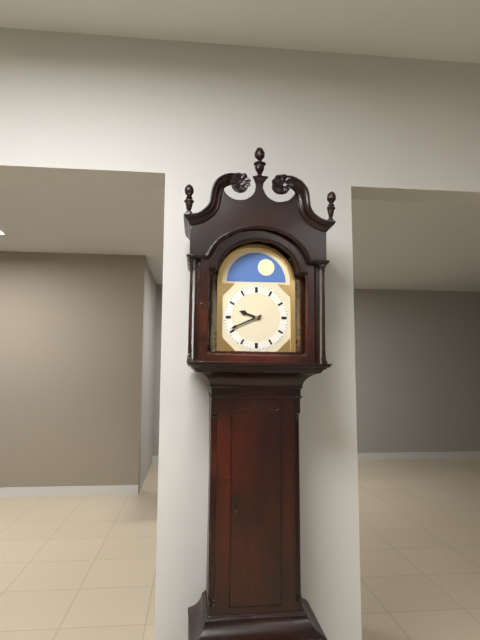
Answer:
{"hour": 9, "minute": 41}
